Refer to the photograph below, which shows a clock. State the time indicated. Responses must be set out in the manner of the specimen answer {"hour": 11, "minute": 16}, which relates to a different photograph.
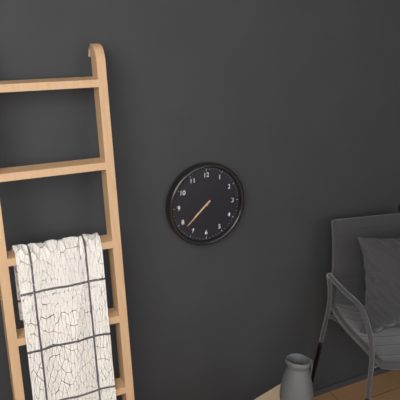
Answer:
{"hour": 7, "minute": 38}
